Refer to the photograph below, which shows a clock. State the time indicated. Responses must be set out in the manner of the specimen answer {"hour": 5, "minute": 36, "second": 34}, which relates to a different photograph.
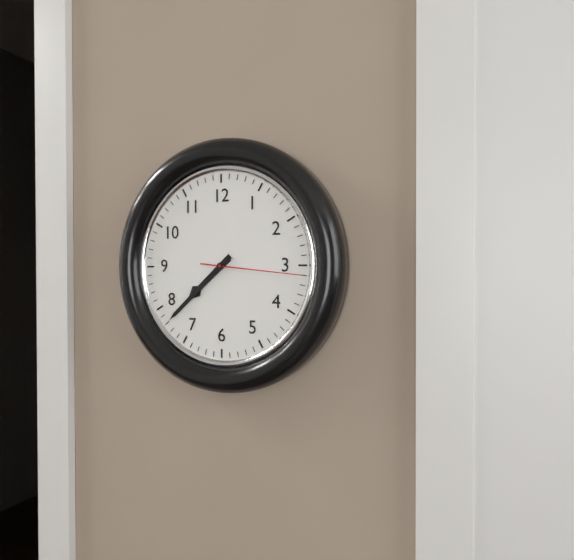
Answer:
{"hour": 7, "minute": 38, "second": 16}
